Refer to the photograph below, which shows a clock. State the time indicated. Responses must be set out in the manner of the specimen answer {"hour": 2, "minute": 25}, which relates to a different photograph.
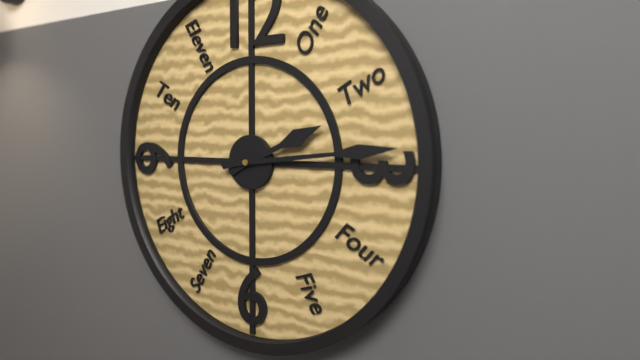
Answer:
{"hour": 2, "minute": 14}
